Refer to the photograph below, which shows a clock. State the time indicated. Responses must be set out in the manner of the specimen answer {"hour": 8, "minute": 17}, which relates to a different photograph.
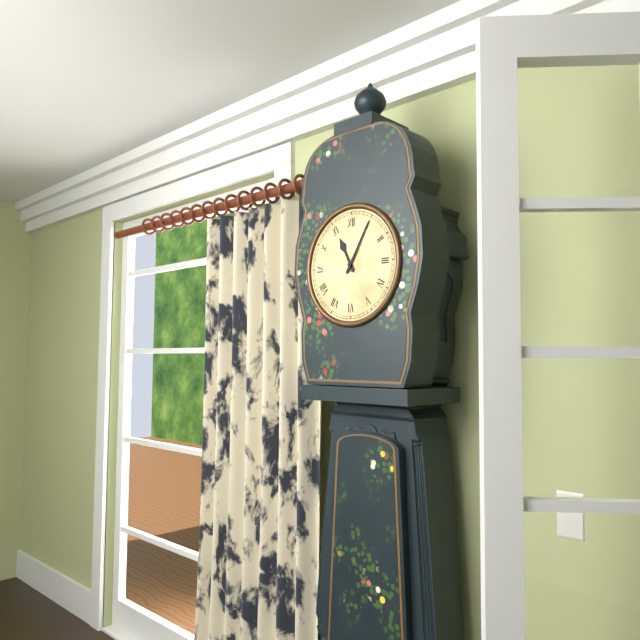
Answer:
{"hour": 11, "minute": 5}
